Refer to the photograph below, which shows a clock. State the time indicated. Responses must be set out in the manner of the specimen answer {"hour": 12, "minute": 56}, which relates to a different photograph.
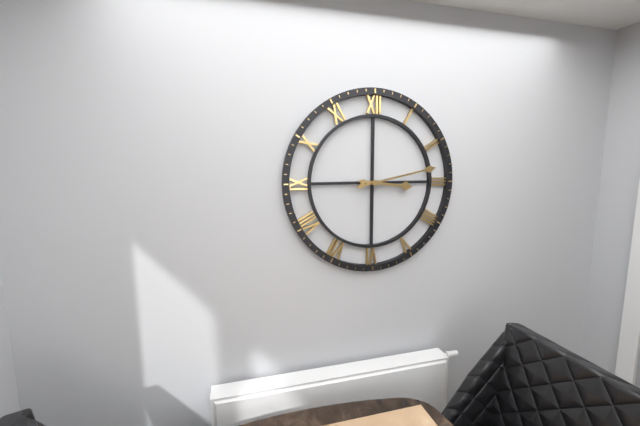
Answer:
{"hour": 3, "minute": 13}
